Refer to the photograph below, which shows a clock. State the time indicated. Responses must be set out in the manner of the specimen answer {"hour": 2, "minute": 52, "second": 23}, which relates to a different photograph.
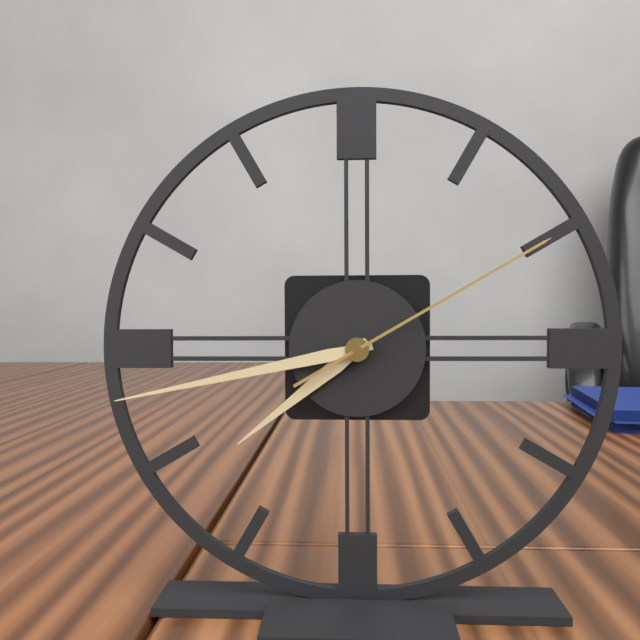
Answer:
{"hour": 7, "minute": 43, "second": 10}
